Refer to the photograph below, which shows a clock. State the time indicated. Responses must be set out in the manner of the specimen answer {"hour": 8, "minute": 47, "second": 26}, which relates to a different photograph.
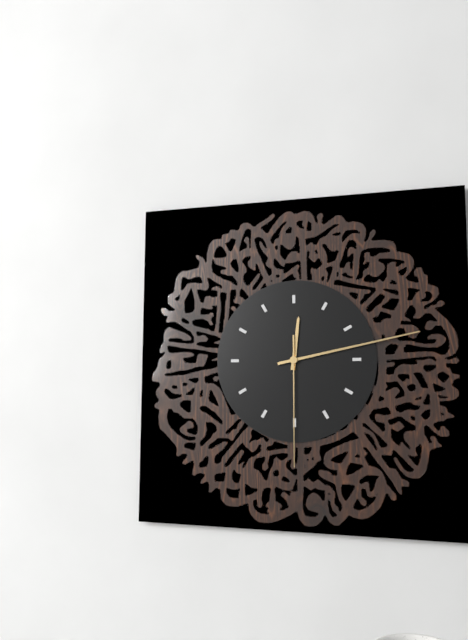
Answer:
{"hour": 12, "minute": 13, "second": 30}
